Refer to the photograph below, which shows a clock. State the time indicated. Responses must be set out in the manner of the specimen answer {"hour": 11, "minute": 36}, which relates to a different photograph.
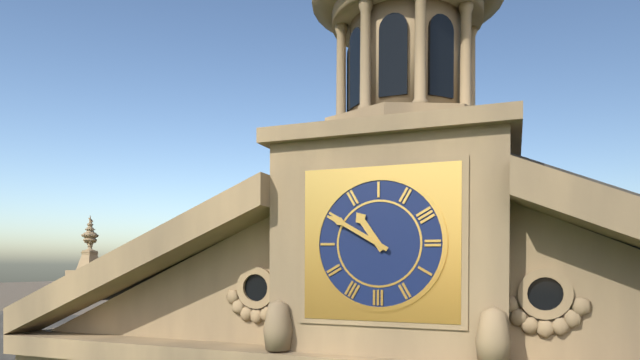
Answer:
{"hour": 10, "minute": 50}
